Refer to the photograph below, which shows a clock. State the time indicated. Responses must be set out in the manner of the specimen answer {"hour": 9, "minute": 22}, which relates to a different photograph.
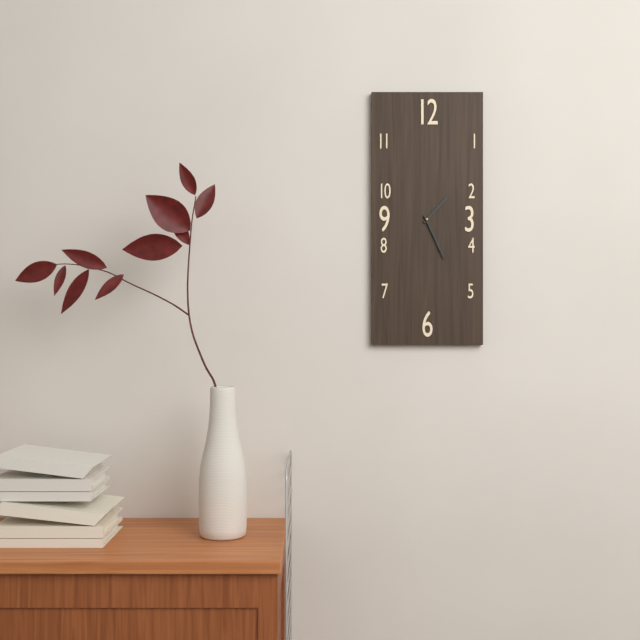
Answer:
{"hour": 1, "minute": 26}
